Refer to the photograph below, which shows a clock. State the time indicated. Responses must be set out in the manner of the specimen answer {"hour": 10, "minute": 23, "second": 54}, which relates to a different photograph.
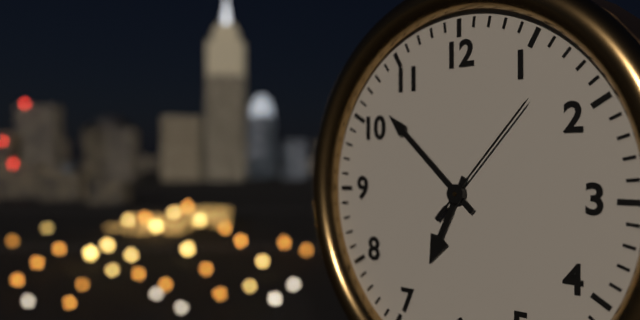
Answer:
{"hour": 6, "minute": 52, "second": 7}
